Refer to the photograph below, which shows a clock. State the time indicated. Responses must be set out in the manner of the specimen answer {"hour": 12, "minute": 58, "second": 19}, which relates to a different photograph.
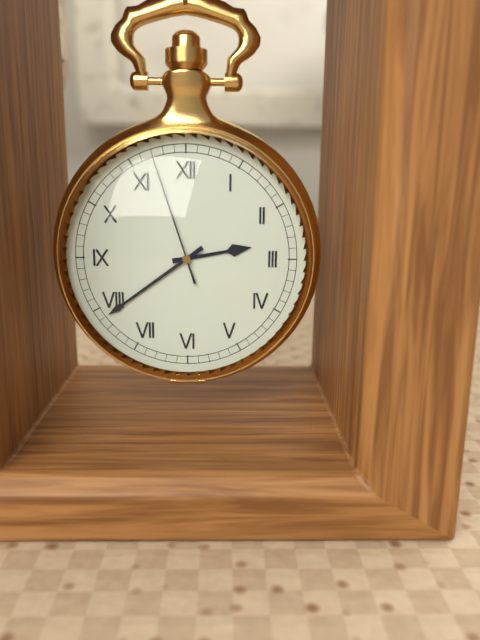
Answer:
{"hour": 2, "minute": 39, "second": 57}
